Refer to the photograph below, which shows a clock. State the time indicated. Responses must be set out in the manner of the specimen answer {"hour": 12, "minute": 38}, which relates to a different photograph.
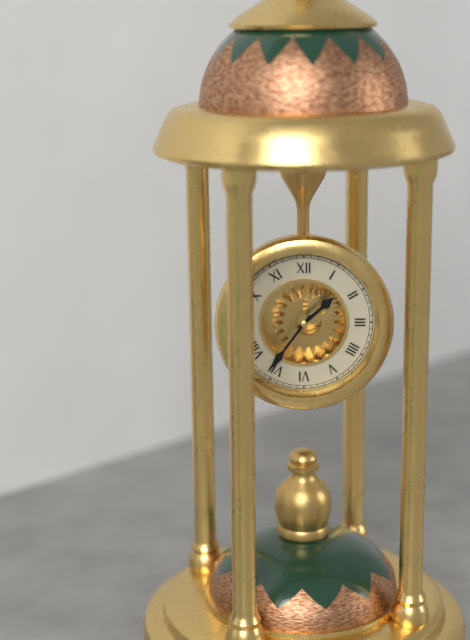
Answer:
{"hour": 1, "minute": 36}
